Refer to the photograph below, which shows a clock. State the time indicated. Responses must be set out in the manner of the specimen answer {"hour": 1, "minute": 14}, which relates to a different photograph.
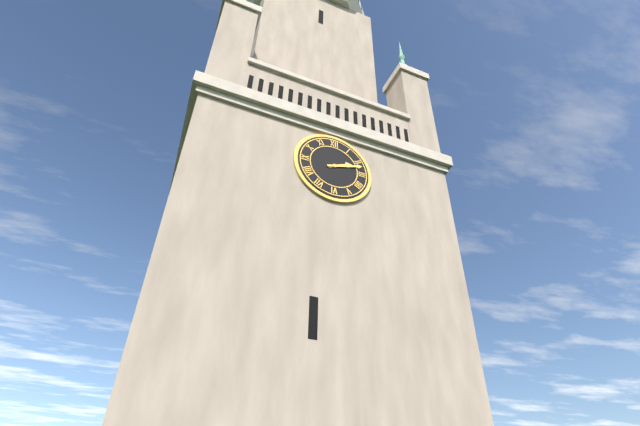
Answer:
{"hour": 2, "minute": 12}
